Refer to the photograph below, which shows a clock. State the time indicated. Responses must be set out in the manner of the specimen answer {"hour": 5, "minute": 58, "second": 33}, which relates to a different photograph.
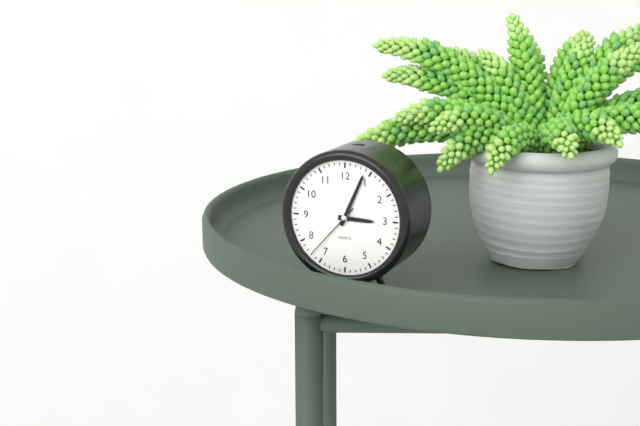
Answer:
{"hour": 3, "minute": 4, "second": 37}
